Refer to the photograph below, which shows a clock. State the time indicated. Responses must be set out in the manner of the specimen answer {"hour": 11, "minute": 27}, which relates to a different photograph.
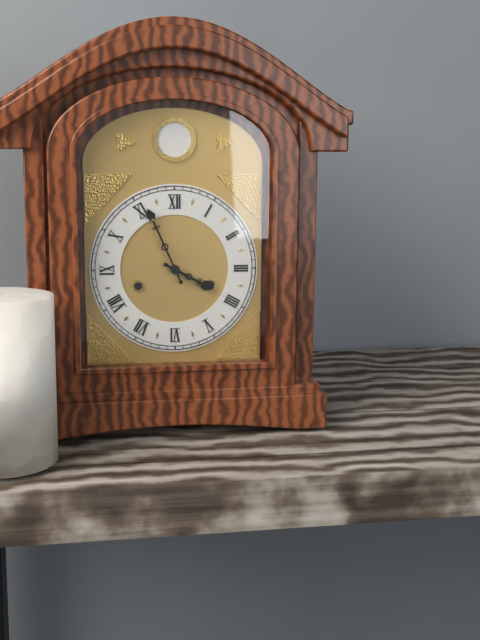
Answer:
{"hour": 3, "minute": 56}
